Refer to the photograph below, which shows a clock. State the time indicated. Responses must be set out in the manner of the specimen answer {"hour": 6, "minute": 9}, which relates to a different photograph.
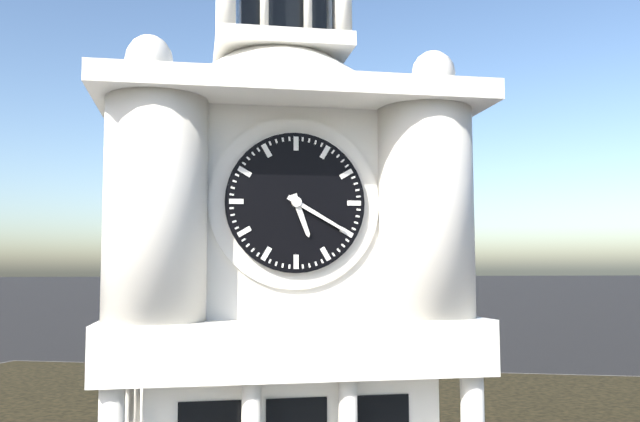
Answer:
{"hour": 5, "minute": 20}
